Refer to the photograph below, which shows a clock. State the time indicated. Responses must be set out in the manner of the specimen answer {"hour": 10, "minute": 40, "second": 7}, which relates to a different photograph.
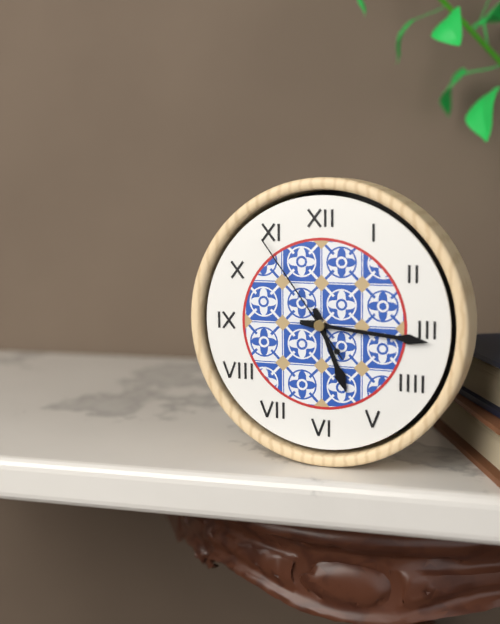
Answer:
{"hour": 5, "minute": 16, "second": 54}
